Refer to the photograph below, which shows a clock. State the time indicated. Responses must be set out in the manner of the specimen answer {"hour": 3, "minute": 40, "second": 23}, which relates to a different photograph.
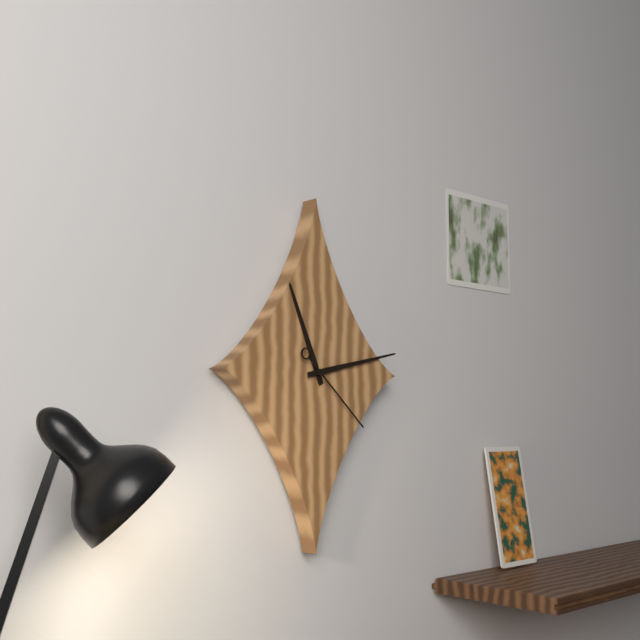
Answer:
{"hour": 11, "minute": 13, "second": 22}
